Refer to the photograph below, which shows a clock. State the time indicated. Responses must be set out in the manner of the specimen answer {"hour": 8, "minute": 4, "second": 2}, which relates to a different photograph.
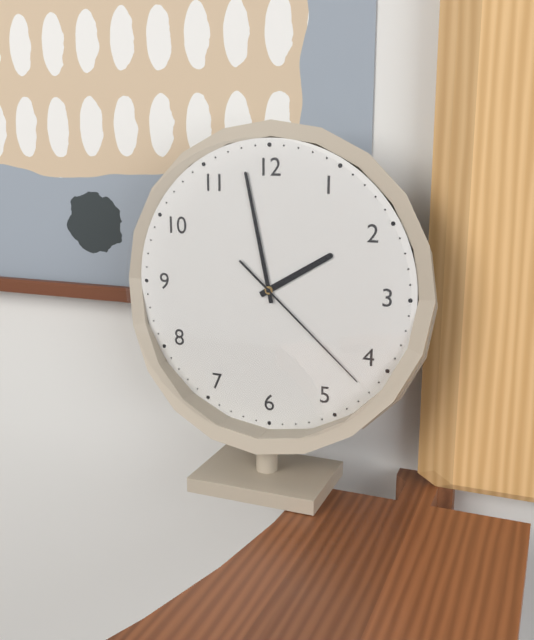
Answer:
{"hour": 1, "minute": 58, "second": 22}
